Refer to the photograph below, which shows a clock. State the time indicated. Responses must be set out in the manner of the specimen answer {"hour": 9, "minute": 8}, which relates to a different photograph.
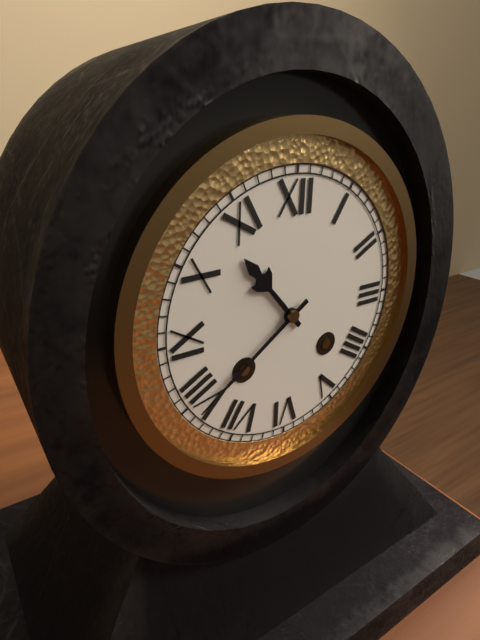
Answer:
{"hour": 10, "minute": 39}
